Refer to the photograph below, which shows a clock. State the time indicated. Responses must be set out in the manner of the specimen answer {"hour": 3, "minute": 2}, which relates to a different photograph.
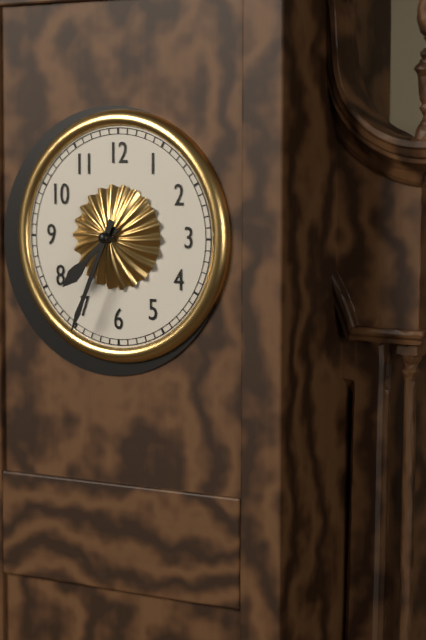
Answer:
{"hour": 7, "minute": 34}
